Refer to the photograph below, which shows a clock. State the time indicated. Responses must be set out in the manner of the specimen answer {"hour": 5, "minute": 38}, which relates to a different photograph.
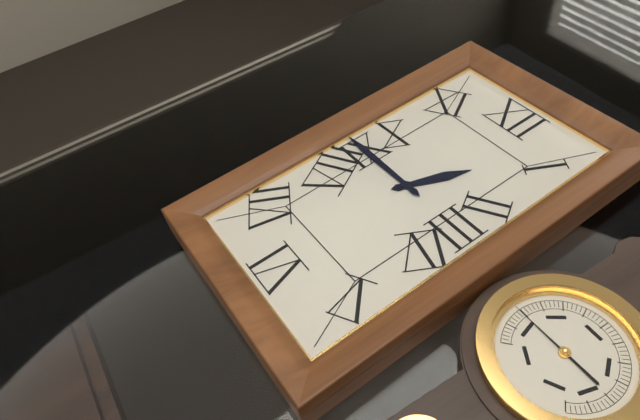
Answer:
{"hour": 12, "minute": 45}
